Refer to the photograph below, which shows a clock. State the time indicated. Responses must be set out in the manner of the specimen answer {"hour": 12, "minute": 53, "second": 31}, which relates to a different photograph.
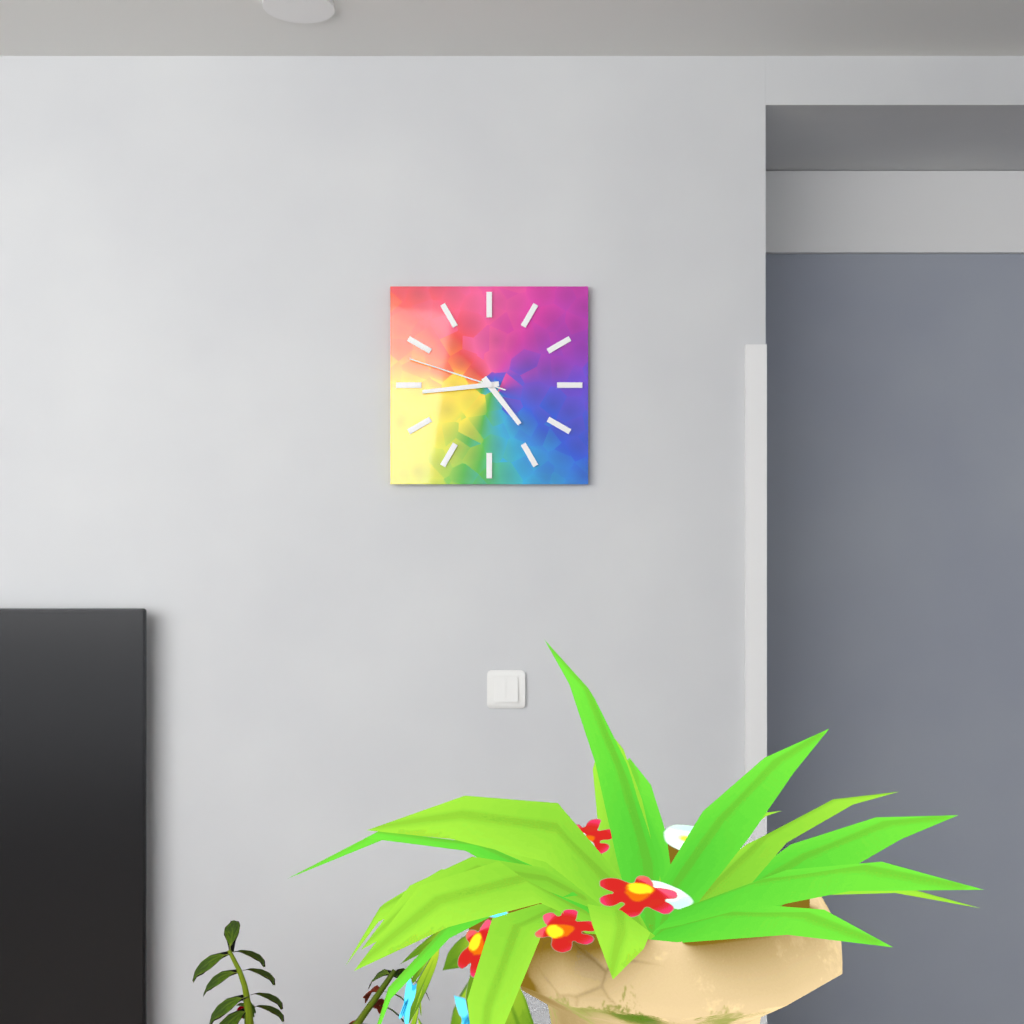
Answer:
{"hour": 4, "minute": 44, "second": 48}
